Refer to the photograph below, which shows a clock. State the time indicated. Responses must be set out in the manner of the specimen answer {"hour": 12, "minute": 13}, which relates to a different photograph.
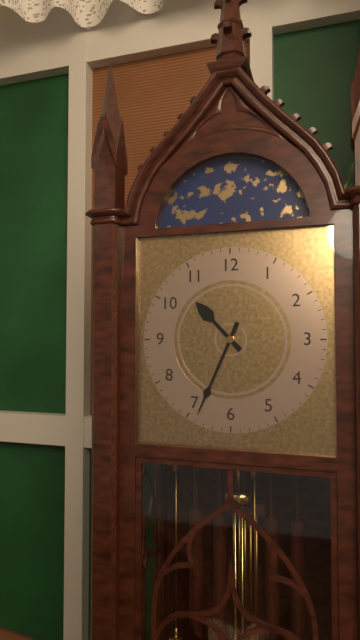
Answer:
{"hour": 10, "minute": 34}
